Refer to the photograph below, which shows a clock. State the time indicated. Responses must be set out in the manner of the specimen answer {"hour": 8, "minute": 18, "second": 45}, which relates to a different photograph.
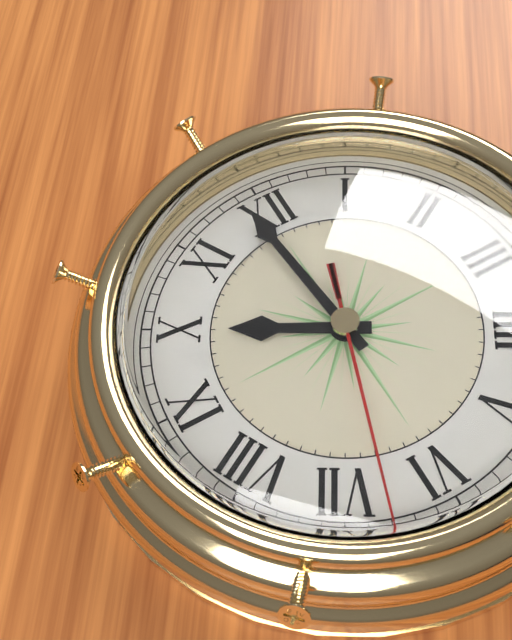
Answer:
{"hour": 9, "minute": 59, "second": 33}
